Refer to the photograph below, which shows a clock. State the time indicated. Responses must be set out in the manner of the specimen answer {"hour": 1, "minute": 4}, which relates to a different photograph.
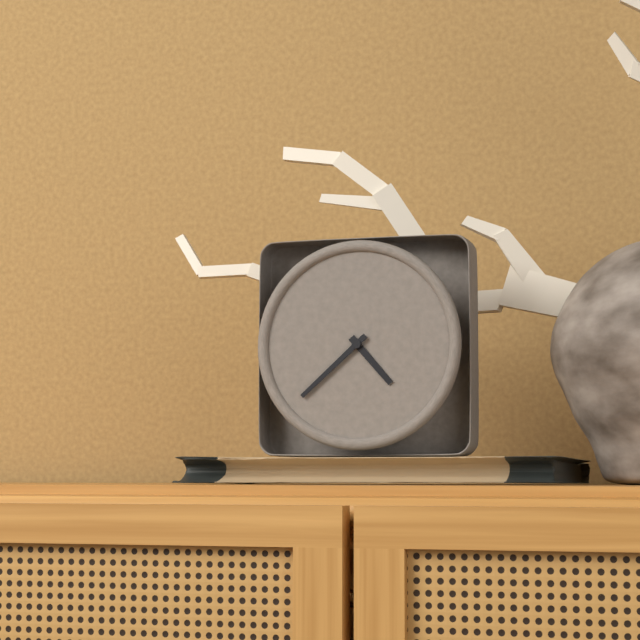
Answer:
{"hour": 4, "minute": 38}
